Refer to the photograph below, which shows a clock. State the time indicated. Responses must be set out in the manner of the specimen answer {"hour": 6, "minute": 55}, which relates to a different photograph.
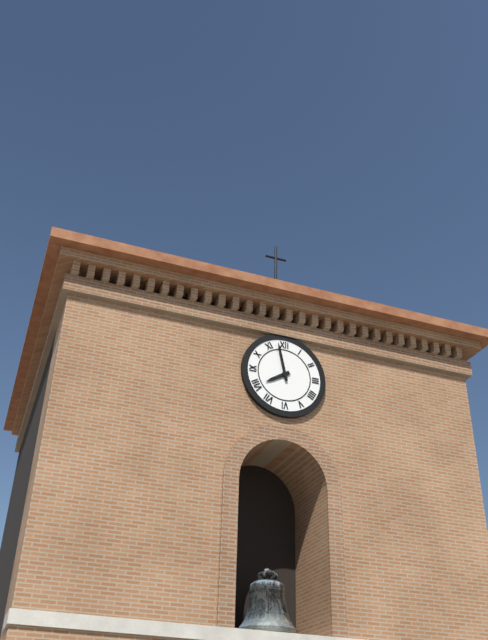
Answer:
{"hour": 7, "minute": 58}
